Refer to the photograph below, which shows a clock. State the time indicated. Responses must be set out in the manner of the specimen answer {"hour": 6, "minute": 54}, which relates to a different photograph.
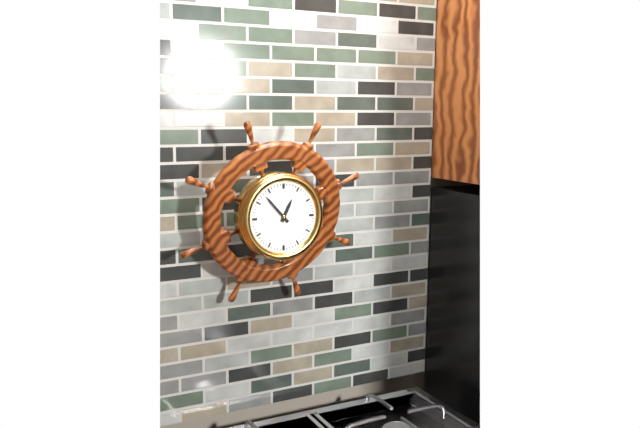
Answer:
{"hour": 12, "minute": 53}
